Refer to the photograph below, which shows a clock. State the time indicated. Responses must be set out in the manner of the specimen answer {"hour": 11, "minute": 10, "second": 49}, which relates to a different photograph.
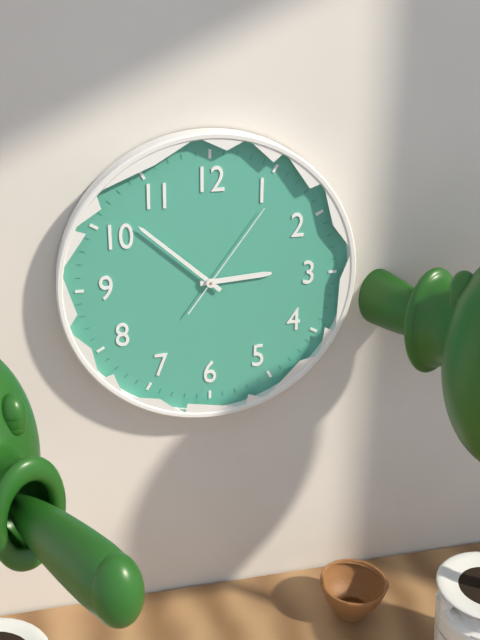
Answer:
{"hour": 2, "minute": 52, "second": 6}
